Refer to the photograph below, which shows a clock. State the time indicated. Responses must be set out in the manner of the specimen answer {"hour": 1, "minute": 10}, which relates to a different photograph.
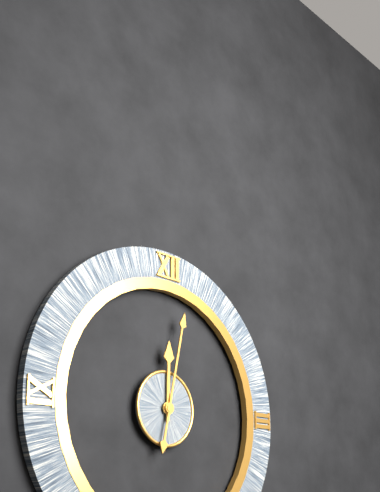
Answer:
{"hour": 12, "minute": 2}
